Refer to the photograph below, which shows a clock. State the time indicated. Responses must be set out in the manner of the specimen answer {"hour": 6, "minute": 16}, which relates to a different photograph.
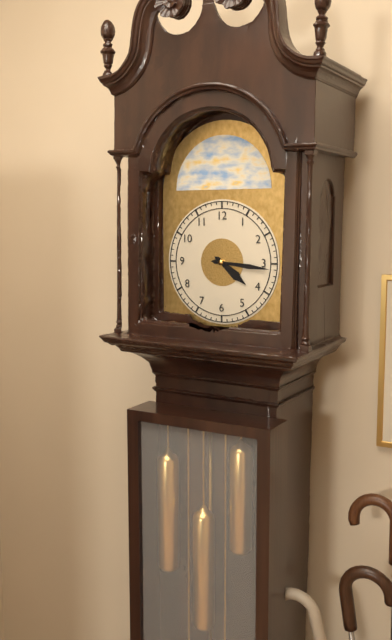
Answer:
{"hour": 4, "minute": 16}
